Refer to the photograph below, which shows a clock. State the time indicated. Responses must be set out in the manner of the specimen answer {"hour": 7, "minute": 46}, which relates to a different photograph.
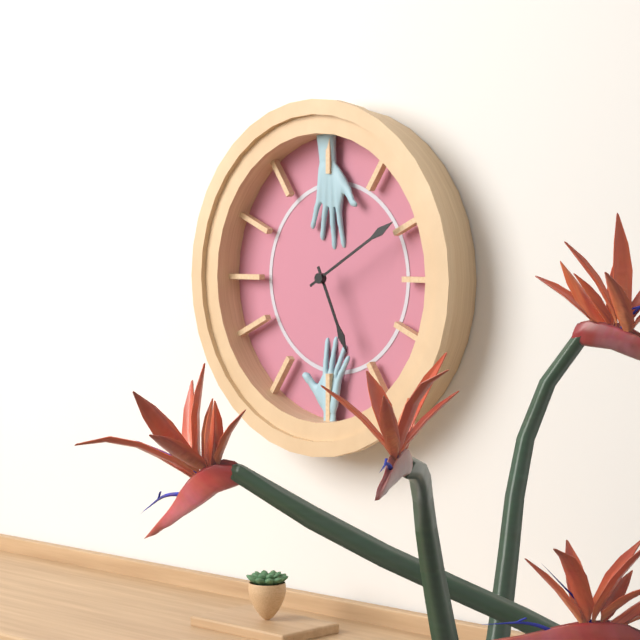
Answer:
{"hour": 5, "minute": 10}
